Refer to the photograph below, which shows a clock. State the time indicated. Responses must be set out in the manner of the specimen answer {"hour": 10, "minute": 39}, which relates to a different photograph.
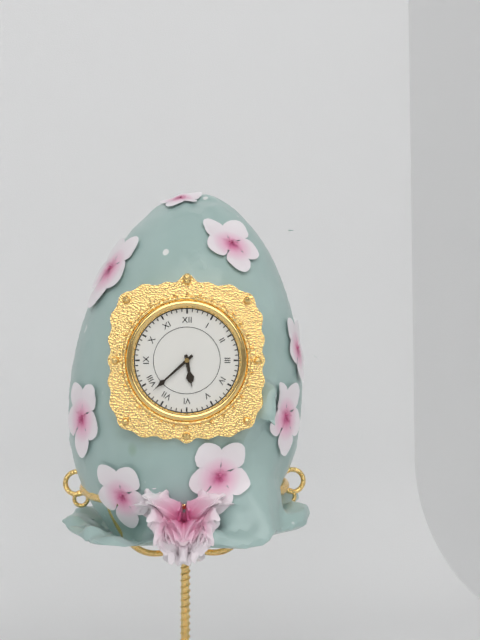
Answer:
{"hour": 5, "minute": 38}
